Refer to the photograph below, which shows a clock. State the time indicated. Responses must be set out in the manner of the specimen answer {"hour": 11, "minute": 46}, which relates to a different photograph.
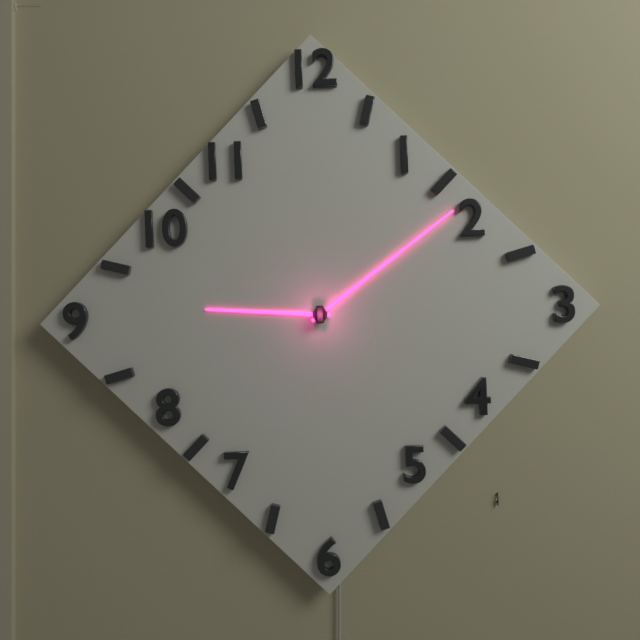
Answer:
{"hour": 9, "minute": 9}
